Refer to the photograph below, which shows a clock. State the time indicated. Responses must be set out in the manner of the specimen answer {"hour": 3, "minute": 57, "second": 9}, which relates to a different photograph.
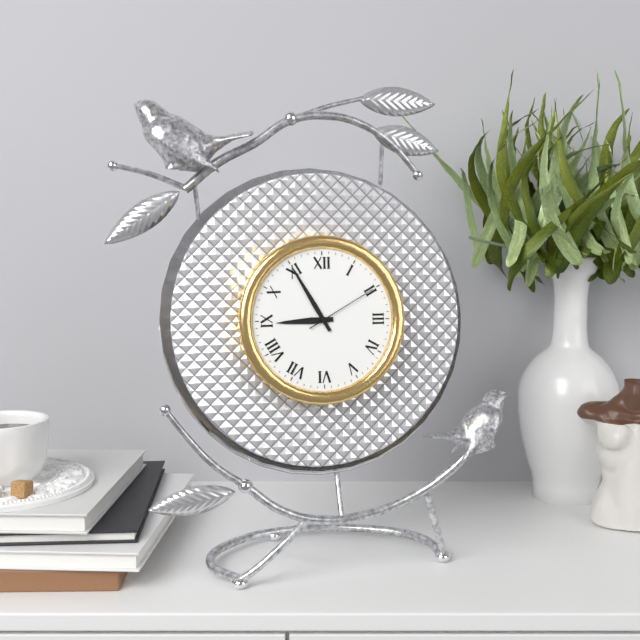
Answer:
{"hour": 8, "minute": 55, "second": 10}
